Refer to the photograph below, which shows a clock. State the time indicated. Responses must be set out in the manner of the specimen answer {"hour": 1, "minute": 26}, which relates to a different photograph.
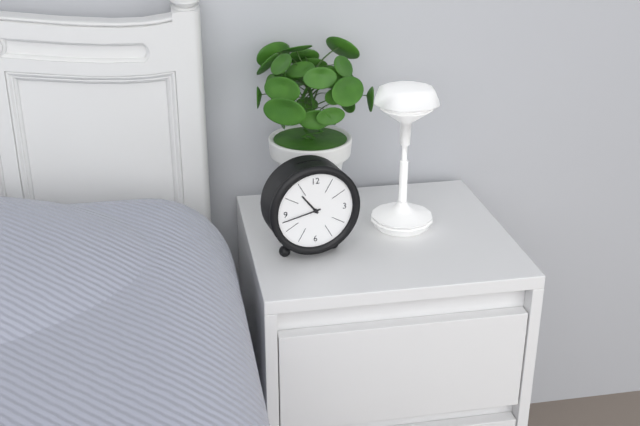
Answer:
{"hour": 10, "minute": 43}
